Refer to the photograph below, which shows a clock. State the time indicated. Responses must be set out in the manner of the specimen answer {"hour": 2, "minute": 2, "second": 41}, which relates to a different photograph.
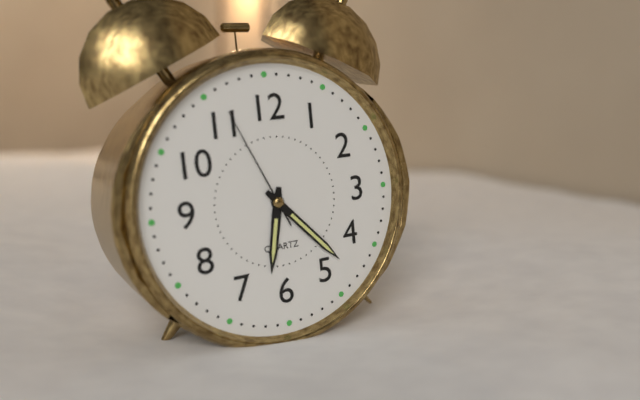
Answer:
{"hour": 6, "minute": 23, "second": 56}
